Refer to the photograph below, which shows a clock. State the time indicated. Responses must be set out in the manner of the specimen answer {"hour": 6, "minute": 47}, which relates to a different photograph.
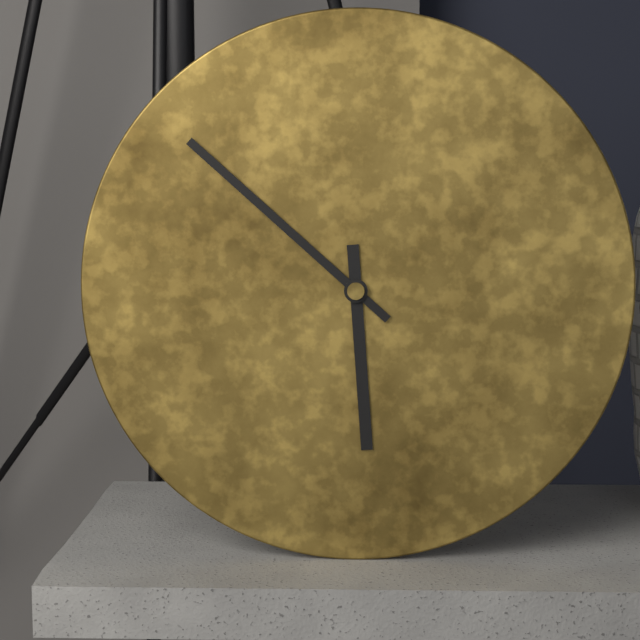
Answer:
{"hour": 5, "minute": 52}
